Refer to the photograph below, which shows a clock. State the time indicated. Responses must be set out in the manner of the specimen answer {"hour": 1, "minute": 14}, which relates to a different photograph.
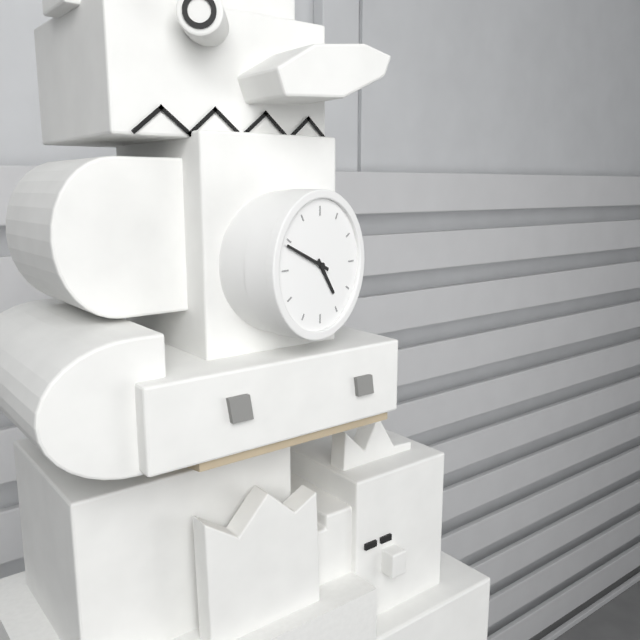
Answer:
{"hour": 4, "minute": 49}
